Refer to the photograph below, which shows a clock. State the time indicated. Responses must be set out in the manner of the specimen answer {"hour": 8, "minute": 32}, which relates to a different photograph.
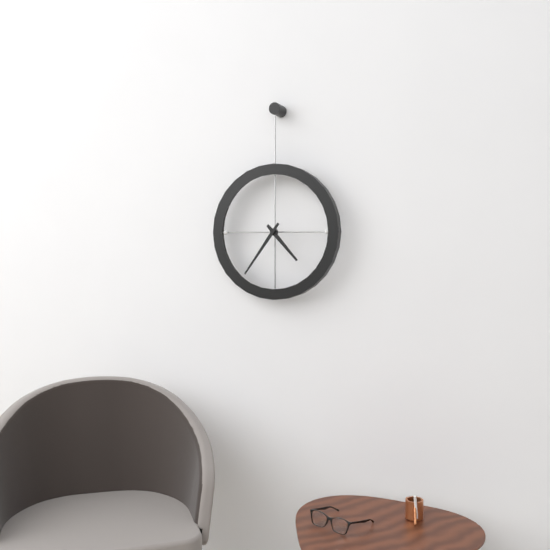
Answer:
{"hour": 4, "minute": 36}
